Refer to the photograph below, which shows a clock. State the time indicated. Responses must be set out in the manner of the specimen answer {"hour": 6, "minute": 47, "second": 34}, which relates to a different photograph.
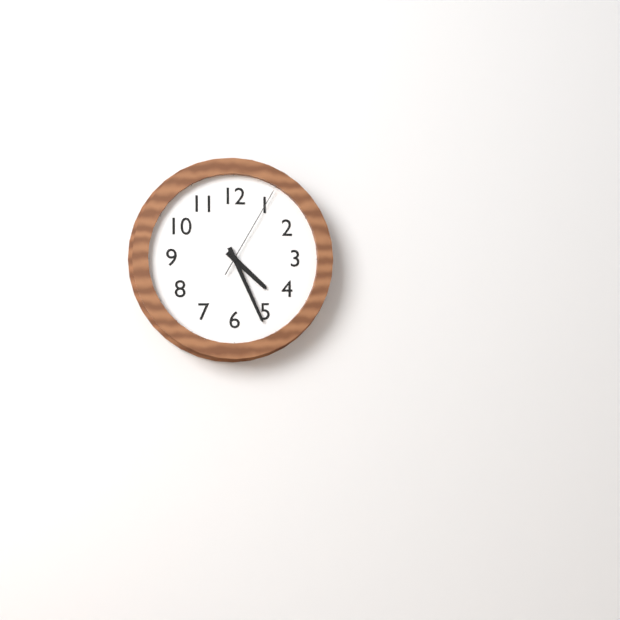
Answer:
{"hour": 4, "minute": 26, "second": 5}
